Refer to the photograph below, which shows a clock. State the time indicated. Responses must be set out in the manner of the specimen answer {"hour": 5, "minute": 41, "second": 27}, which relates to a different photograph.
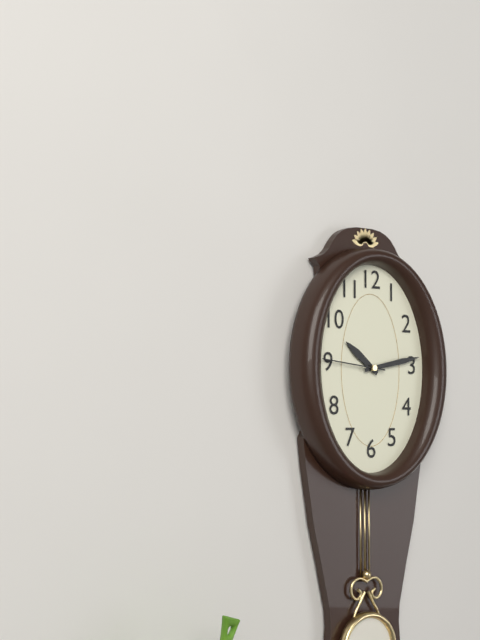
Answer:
{"hour": 10, "minute": 13, "second": 46}
